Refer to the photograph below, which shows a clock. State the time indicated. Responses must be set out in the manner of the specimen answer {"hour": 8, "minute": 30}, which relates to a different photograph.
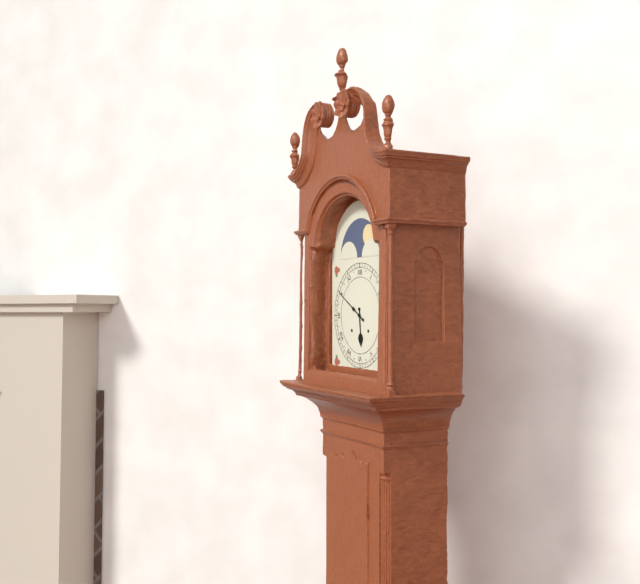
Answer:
{"hour": 5, "minute": 50}
